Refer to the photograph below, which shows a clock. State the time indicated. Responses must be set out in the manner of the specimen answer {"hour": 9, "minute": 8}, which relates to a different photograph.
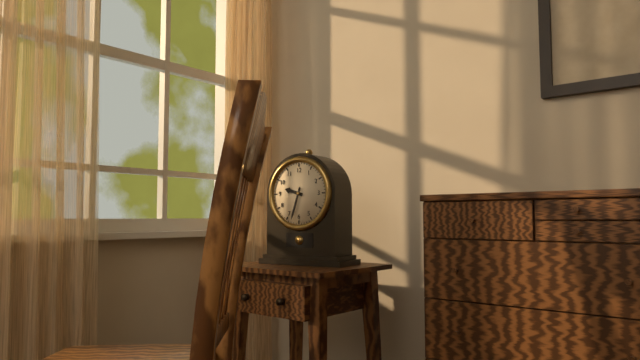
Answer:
{"hour": 9, "minute": 33}
